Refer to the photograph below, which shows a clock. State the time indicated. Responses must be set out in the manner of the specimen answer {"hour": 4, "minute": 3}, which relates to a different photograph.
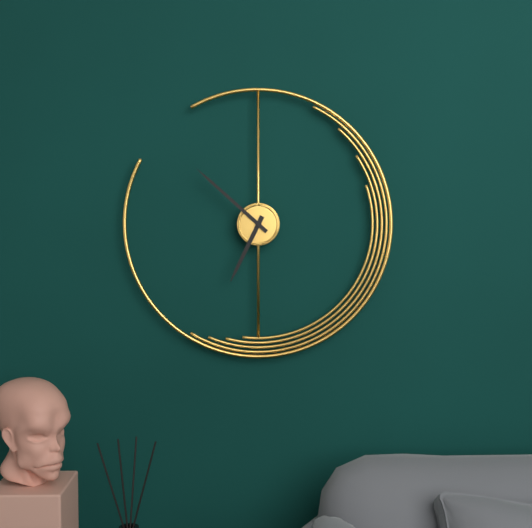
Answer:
{"hour": 6, "minute": 52}
